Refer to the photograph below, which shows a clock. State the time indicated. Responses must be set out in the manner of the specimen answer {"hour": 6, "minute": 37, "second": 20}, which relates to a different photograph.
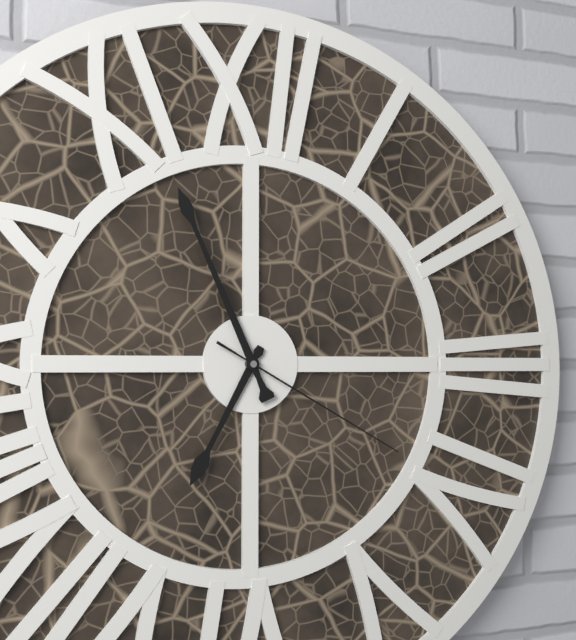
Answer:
{"hour": 6, "minute": 56, "second": 20}
